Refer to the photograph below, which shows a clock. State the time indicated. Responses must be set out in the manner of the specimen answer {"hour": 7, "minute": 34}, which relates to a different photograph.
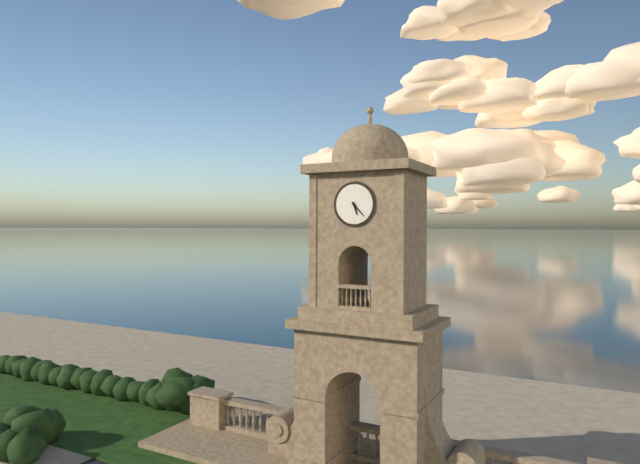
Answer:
{"hour": 5, "minute": 23}
